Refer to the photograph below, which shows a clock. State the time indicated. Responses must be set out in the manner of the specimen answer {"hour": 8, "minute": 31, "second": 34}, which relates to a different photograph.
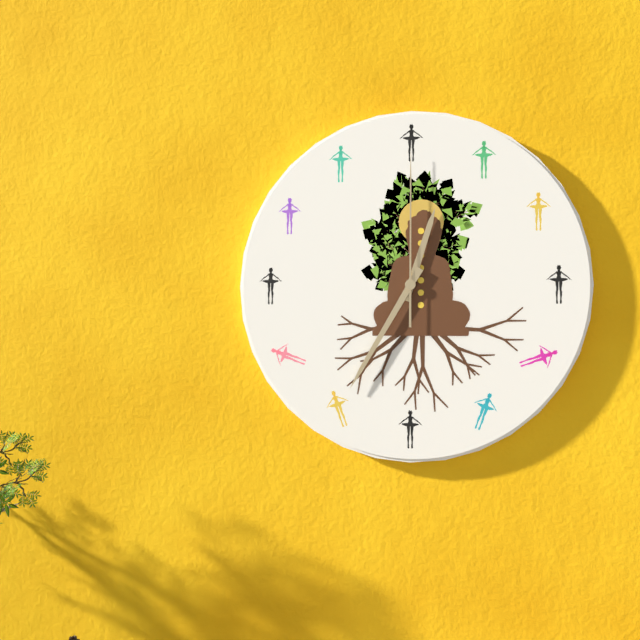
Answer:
{"hour": 12, "minute": 35, "second": 0}
